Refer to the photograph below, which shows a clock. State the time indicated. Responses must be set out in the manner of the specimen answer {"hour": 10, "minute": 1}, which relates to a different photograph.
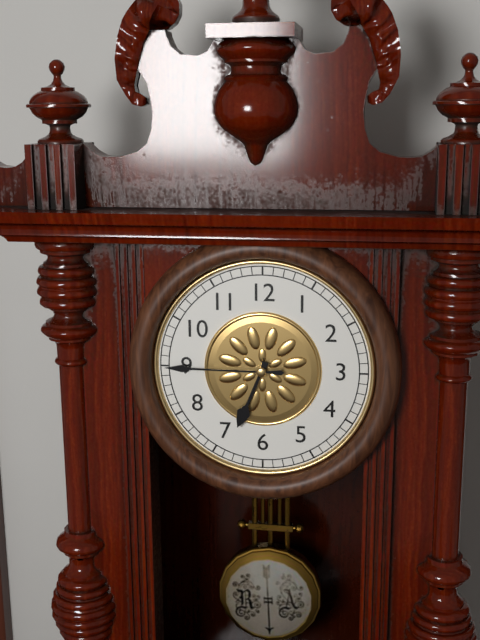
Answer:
{"hour": 6, "minute": 45}
